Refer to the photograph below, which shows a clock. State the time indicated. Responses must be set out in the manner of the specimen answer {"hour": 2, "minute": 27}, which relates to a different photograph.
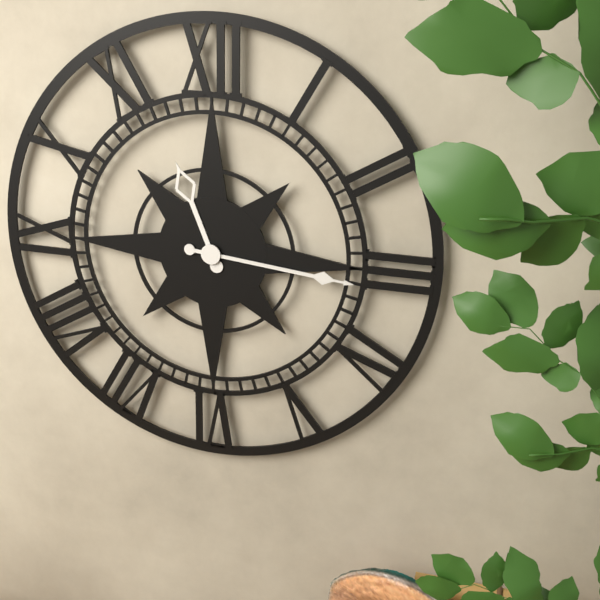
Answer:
{"hour": 11, "minute": 16}
